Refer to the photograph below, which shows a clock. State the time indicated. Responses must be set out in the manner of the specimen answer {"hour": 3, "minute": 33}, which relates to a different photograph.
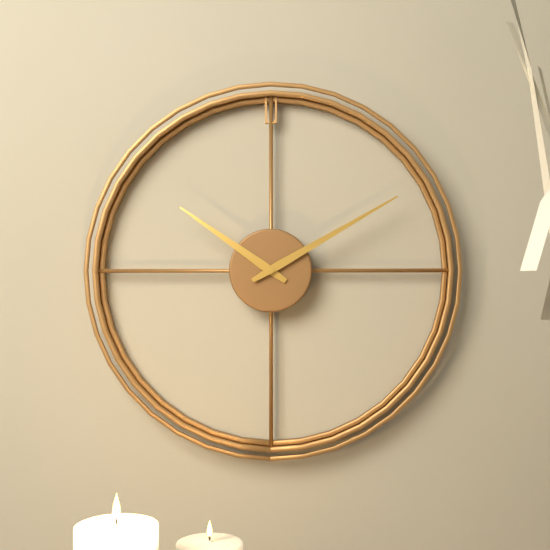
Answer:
{"hour": 10, "minute": 10}
